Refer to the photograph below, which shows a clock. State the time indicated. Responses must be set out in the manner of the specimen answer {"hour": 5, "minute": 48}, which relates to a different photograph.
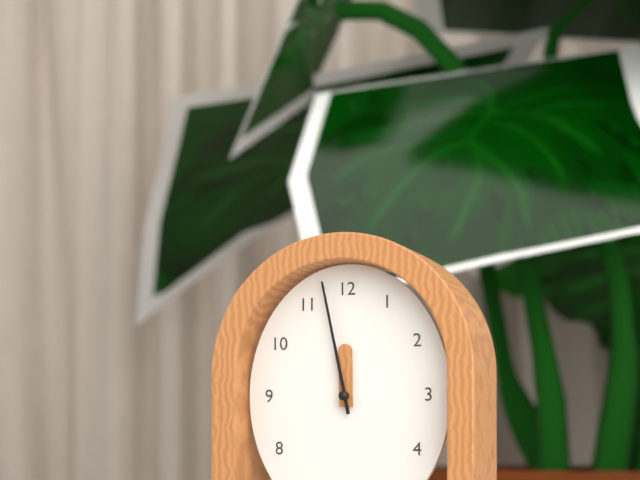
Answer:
{"hour": 11, "minute": 58}
